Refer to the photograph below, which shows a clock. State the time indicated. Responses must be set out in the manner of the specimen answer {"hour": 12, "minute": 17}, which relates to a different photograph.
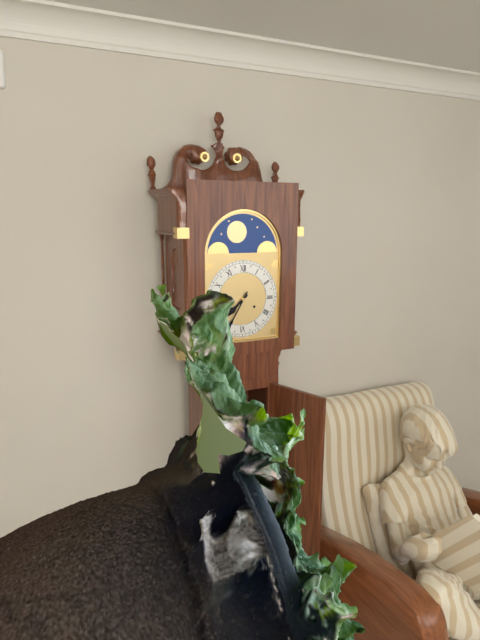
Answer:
{"hour": 7, "minute": 35}
